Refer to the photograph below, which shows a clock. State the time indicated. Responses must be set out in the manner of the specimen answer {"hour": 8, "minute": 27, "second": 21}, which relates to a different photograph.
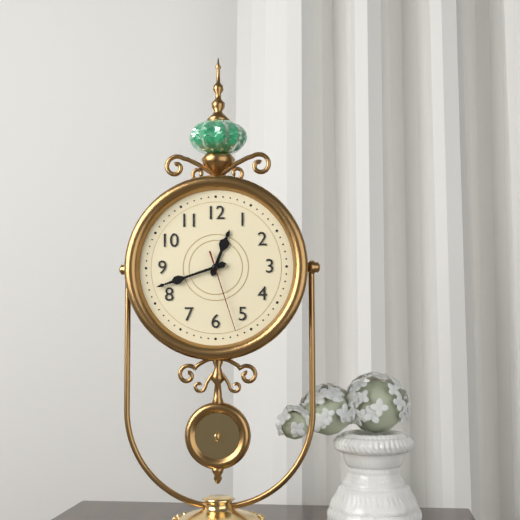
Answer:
{"hour": 12, "minute": 42, "second": 27}
